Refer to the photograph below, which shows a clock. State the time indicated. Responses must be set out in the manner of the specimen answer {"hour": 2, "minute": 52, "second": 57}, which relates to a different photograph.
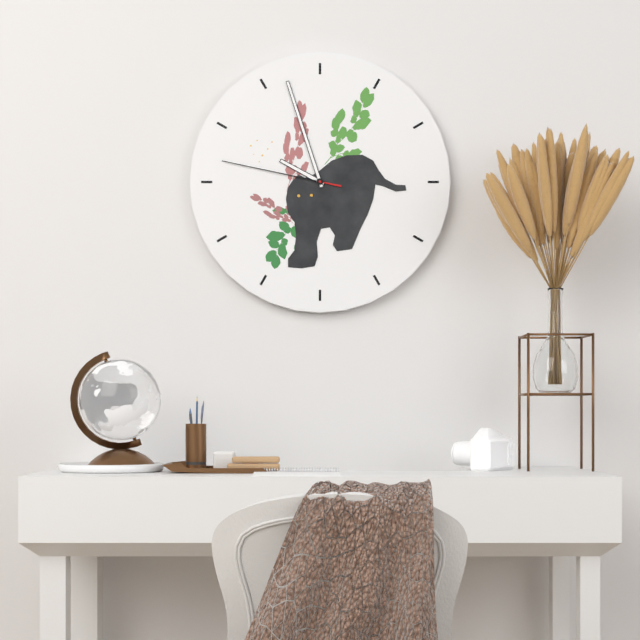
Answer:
{"hour": 9, "minute": 57, "second": 47}
